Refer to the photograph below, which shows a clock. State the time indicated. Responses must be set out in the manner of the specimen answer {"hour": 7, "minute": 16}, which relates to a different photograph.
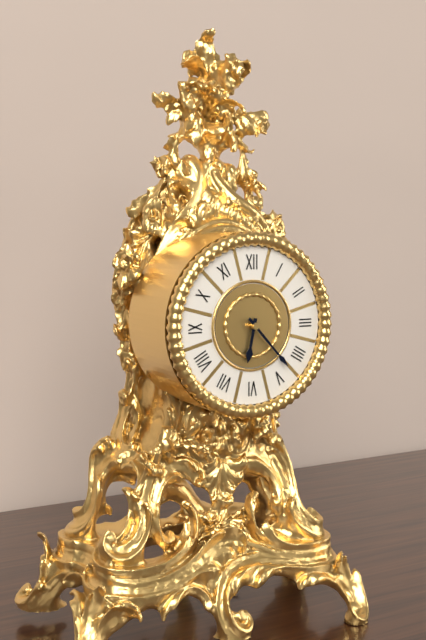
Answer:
{"hour": 6, "minute": 23}
